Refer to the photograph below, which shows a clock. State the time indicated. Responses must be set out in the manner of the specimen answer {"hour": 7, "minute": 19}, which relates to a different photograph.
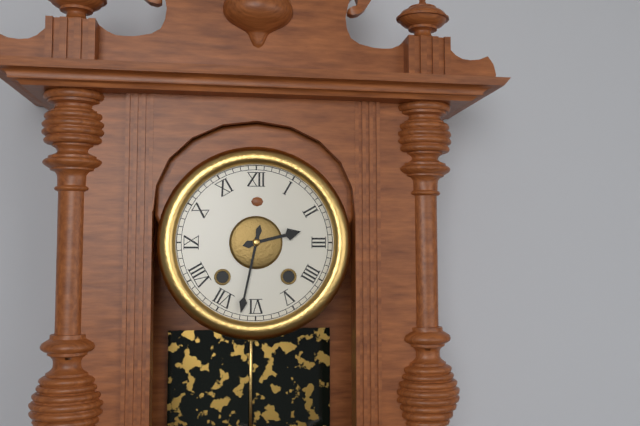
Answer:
{"hour": 2, "minute": 32}
